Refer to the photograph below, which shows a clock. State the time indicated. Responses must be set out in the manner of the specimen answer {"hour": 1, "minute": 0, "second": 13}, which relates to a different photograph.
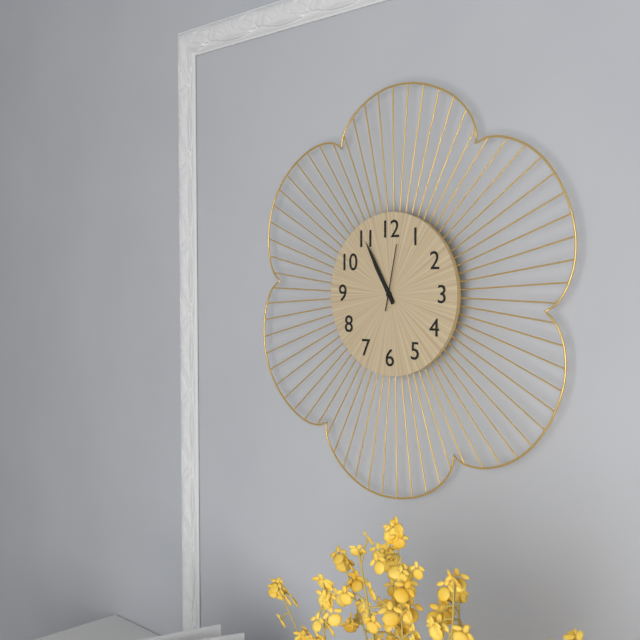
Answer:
{"hour": 10, "minute": 55, "second": 2}
